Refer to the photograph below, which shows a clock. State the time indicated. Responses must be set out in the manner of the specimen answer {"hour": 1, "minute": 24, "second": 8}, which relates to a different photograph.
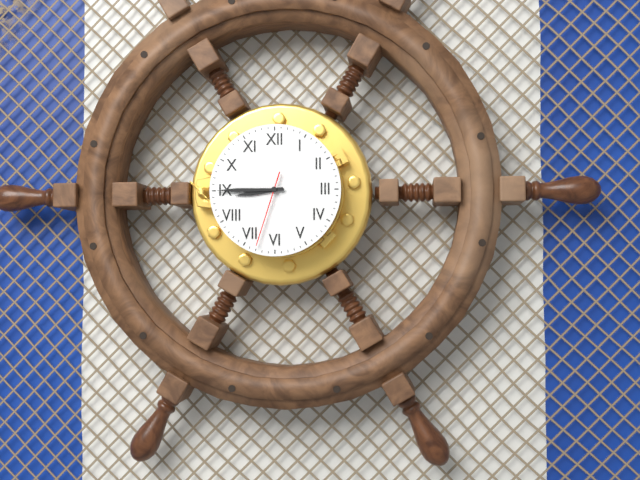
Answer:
{"hour": 8, "minute": 45, "second": 33}
